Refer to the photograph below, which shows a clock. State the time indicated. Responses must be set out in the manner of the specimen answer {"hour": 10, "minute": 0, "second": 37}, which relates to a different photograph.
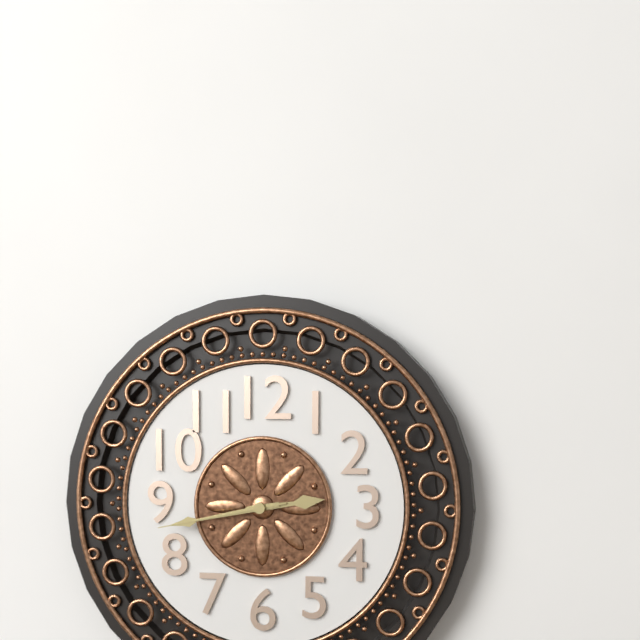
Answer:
{"hour": 2, "minute": 43, "second": 43}
